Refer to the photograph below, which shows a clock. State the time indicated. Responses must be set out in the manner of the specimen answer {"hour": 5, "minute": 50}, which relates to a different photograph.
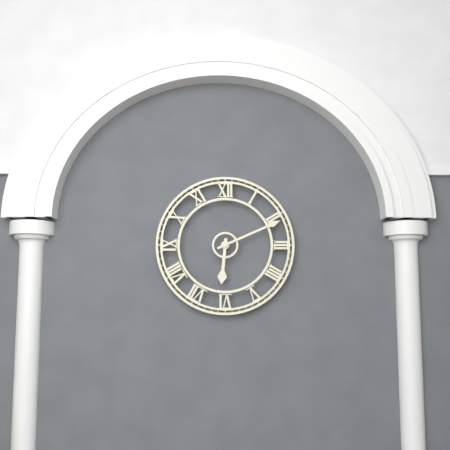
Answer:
{"hour": 6, "minute": 11}
